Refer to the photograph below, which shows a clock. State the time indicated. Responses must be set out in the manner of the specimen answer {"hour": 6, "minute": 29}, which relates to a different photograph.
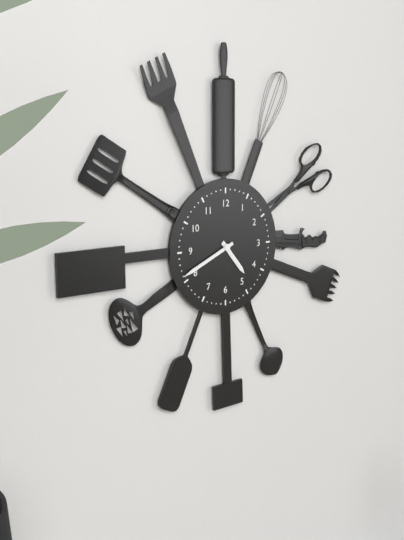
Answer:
{"hour": 4, "minute": 41}
